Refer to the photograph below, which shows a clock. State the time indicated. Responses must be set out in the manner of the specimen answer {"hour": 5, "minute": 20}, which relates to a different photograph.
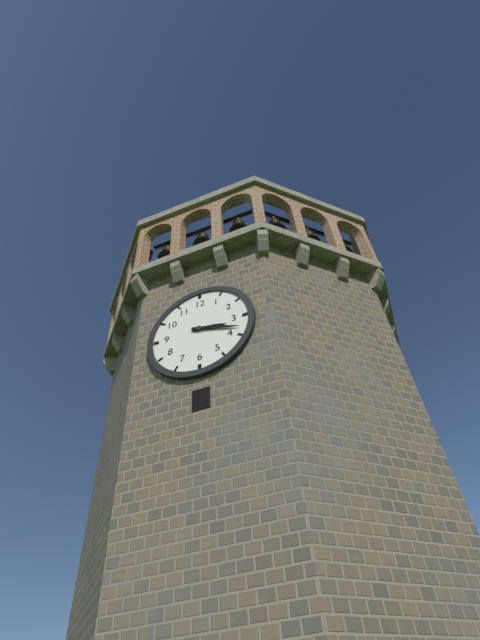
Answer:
{"hour": 3, "minute": 18}
